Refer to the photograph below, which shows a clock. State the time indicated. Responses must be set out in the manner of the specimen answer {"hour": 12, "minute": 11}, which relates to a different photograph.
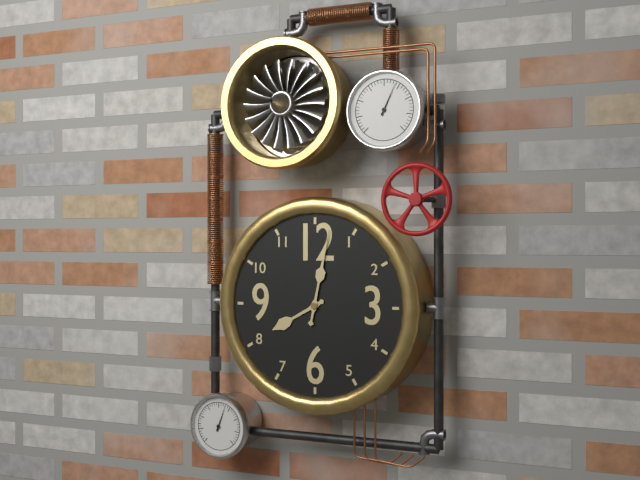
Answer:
{"hour": 8, "minute": 2}
